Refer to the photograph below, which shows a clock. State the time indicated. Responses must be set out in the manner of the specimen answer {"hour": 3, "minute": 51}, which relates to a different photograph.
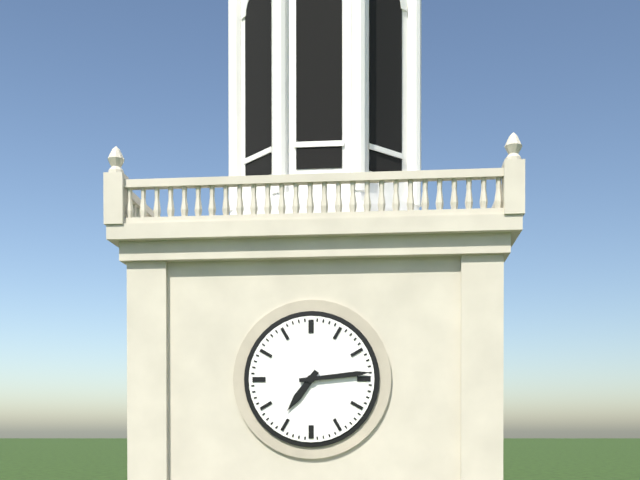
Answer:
{"hour": 7, "minute": 14}
